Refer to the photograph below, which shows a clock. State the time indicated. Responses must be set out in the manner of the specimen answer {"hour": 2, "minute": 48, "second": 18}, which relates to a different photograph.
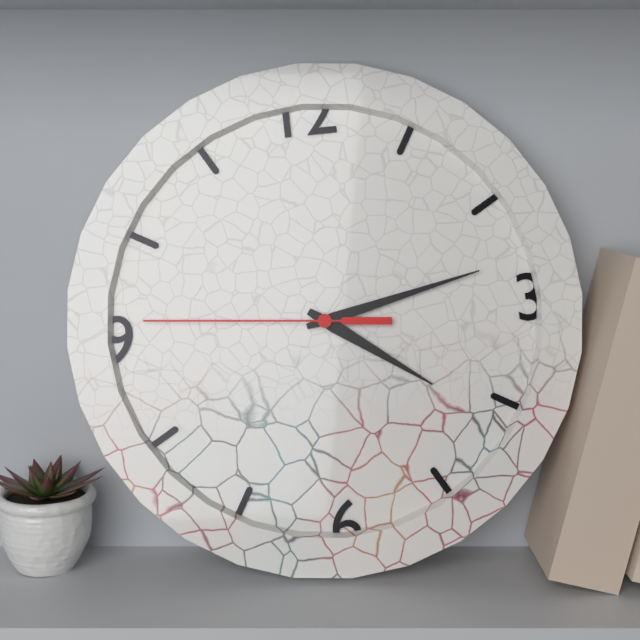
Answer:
{"hour": 4, "minute": 13, "second": 46}
